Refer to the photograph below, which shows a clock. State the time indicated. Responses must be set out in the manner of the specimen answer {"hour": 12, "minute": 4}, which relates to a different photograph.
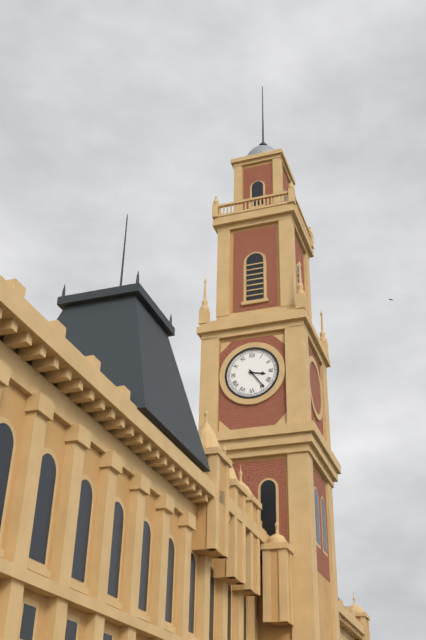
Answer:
{"hour": 3, "minute": 24}
